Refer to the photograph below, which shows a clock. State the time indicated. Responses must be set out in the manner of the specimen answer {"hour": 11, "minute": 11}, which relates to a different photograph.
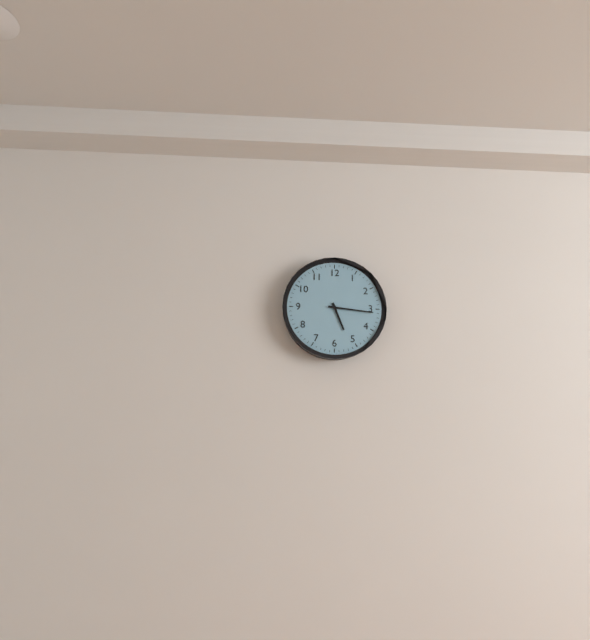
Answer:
{"hour": 5, "minute": 16}
